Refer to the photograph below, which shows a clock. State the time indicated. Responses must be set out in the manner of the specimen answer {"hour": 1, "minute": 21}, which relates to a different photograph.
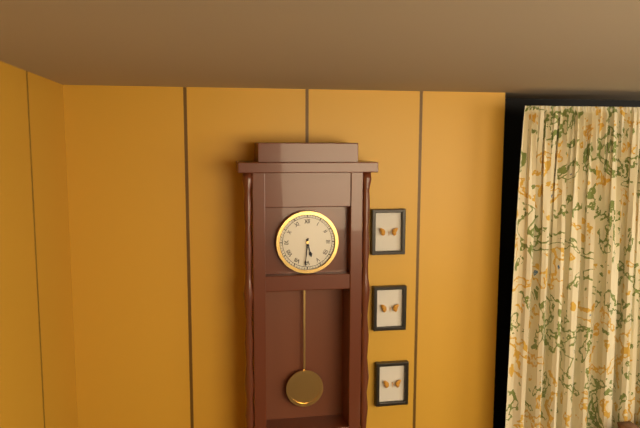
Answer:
{"hour": 5, "minute": 31}
